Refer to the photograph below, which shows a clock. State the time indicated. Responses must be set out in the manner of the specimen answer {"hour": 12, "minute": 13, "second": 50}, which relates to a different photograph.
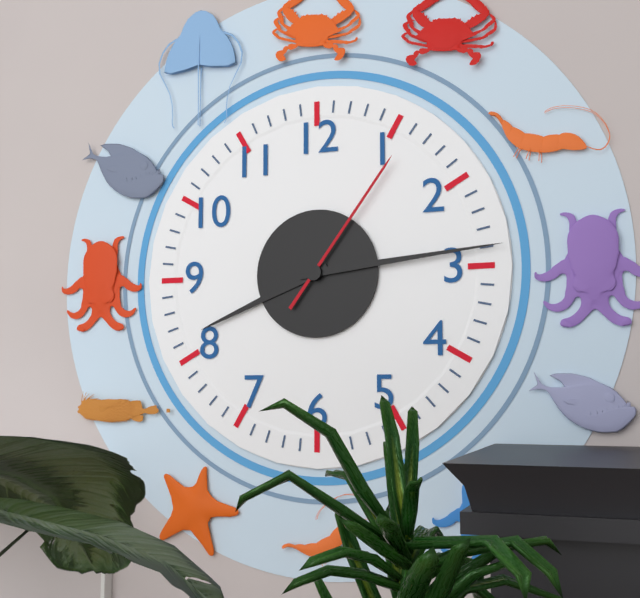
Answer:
{"hour": 8, "minute": 14, "second": 6}
